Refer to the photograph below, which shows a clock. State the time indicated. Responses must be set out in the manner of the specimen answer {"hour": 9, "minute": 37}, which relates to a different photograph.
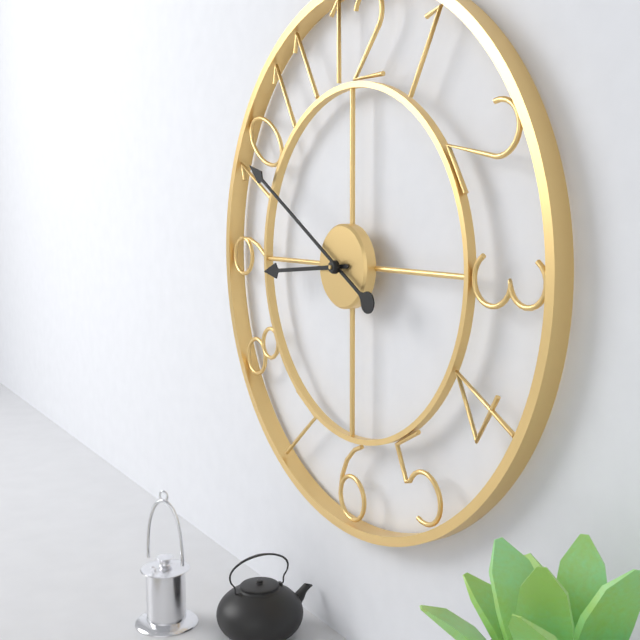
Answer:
{"hour": 8, "minute": 50}
